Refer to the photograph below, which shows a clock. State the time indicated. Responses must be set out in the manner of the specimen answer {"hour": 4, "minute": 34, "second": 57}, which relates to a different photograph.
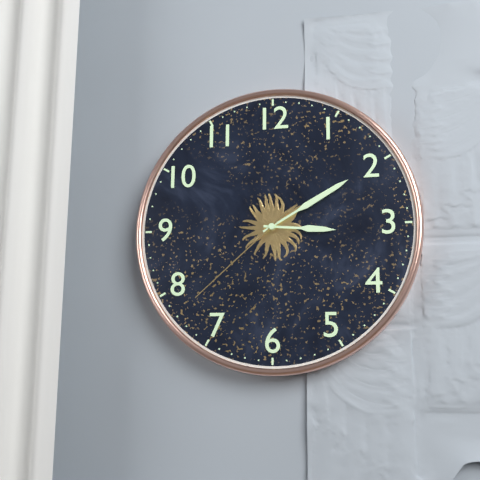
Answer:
{"hour": 3, "minute": 10, "second": 38}
